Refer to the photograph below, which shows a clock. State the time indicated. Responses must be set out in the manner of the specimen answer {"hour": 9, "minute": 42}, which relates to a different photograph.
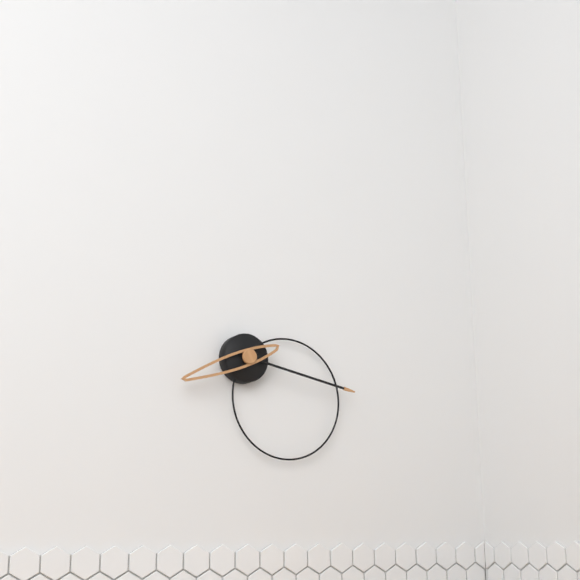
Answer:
{"hour": 8, "minute": 17}
